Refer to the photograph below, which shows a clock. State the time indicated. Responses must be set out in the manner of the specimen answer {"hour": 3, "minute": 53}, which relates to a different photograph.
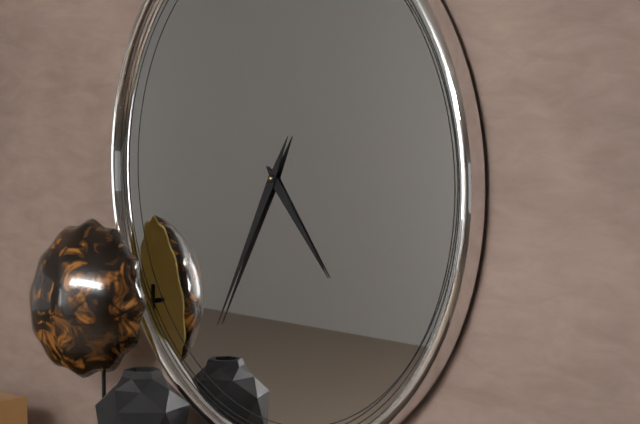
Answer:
{"hour": 4, "minute": 35}
